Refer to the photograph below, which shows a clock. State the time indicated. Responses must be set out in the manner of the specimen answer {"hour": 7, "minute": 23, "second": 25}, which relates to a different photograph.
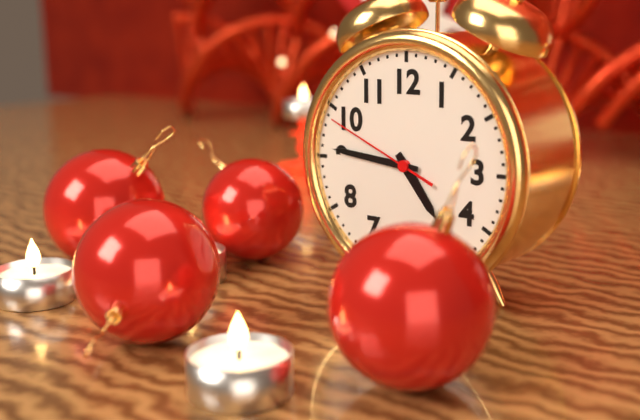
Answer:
{"hour": 4, "minute": 46, "second": 49}
